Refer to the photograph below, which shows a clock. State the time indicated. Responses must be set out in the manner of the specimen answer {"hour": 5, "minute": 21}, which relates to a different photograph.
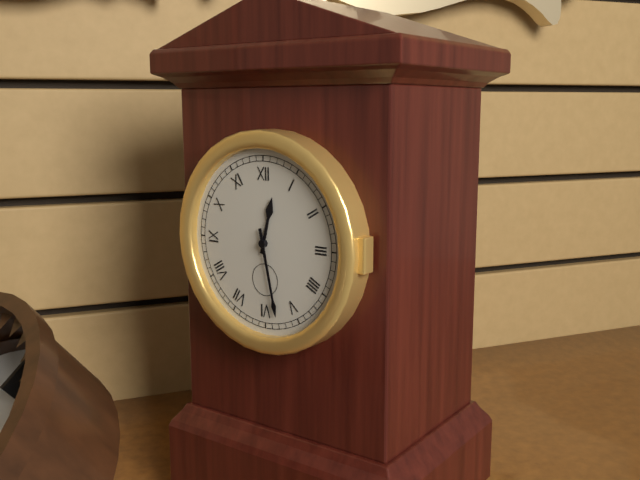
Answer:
{"hour": 12, "minute": 28}
